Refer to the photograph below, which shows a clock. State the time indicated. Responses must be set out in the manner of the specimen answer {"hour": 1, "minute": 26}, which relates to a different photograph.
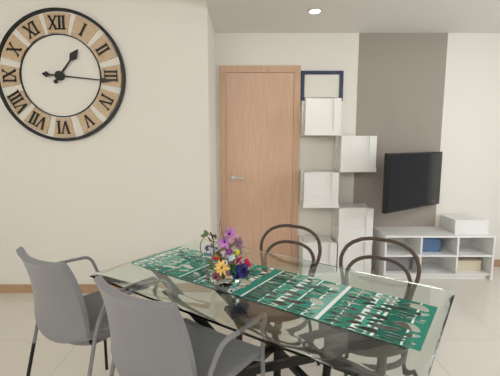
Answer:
{"hour": 1, "minute": 16}
